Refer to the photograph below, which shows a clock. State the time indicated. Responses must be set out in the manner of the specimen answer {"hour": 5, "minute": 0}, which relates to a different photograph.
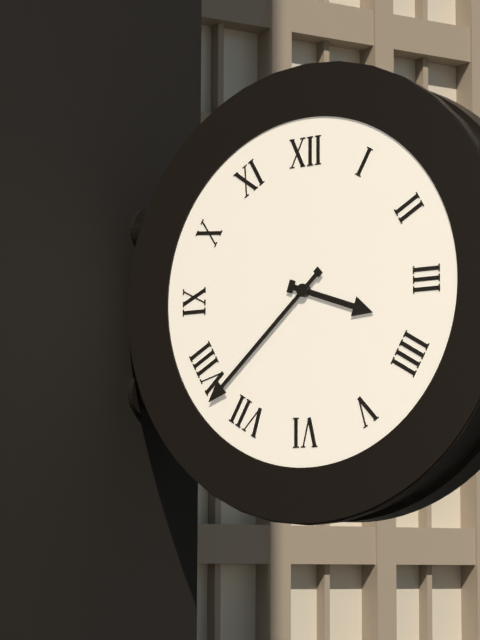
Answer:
{"hour": 3, "minute": 38}
